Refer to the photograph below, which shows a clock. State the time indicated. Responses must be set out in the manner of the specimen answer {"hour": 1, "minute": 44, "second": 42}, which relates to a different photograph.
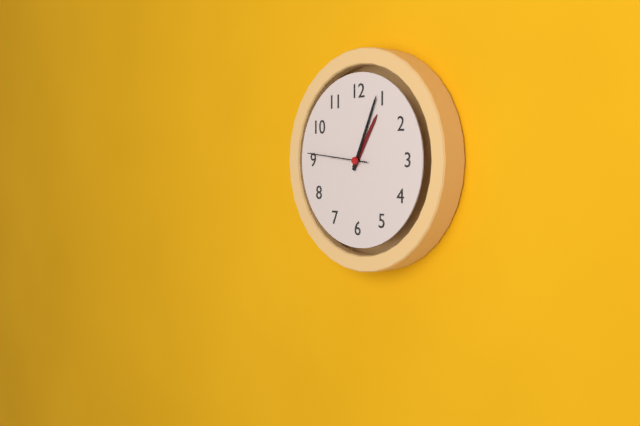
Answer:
{"hour": 1, "minute": 4, "second": 46}
